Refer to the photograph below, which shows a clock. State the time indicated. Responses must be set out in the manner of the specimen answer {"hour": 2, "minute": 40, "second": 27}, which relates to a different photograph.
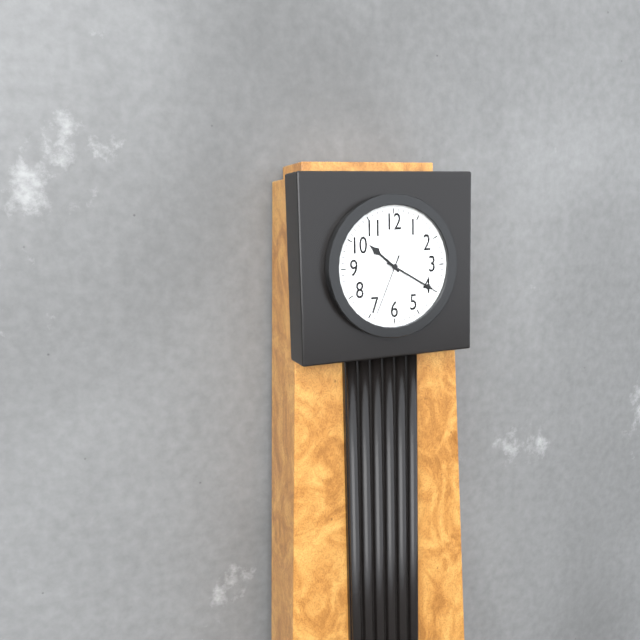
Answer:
{"hour": 10, "minute": 20, "second": 34}
